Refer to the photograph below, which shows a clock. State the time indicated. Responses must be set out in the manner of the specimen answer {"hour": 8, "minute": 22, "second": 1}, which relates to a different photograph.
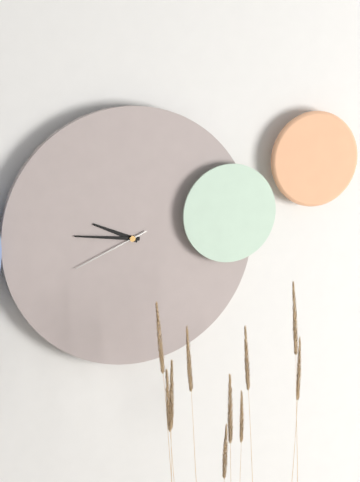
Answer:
{"hour": 9, "minute": 46, "second": 41}
